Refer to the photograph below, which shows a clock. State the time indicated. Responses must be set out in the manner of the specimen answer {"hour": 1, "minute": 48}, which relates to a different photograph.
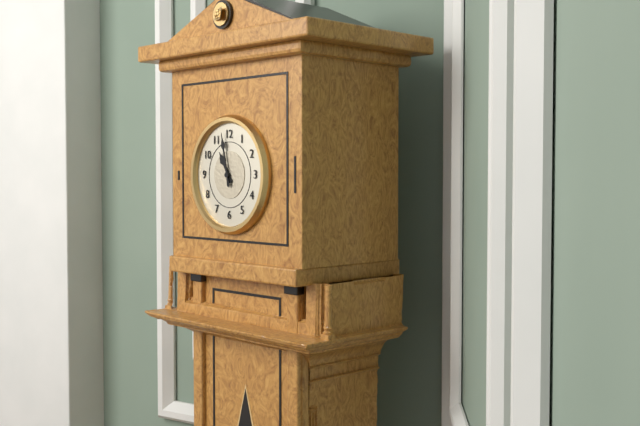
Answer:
{"hour": 10, "minute": 58}
